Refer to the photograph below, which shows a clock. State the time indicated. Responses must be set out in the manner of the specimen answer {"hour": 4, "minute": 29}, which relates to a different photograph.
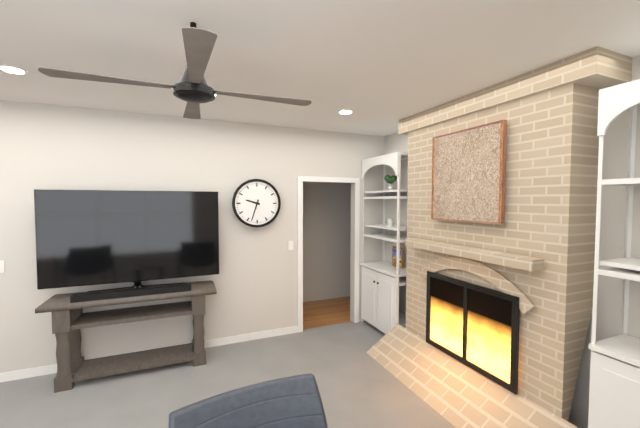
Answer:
{"hour": 9, "minute": 33}
